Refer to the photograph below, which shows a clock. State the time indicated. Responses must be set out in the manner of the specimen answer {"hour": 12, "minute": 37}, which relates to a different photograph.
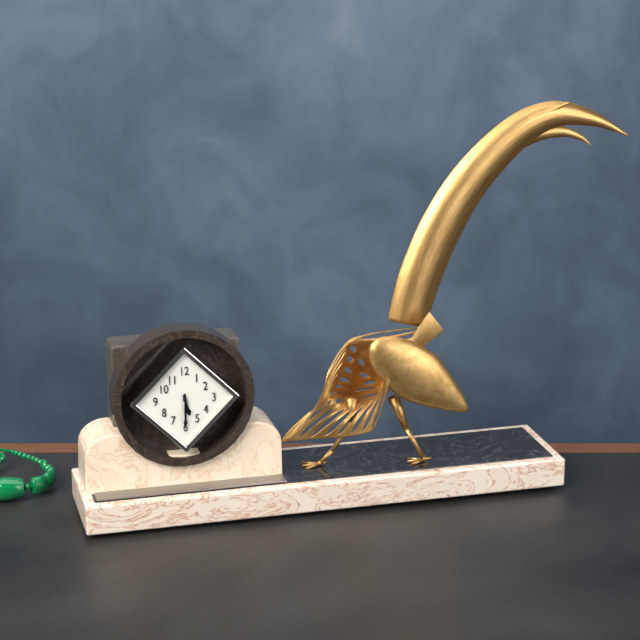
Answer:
{"hour": 5, "minute": 30}
